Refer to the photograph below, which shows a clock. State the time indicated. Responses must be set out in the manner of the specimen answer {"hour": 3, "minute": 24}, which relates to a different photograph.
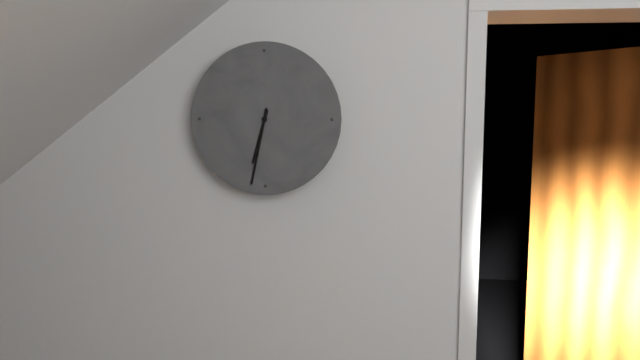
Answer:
{"hour": 6, "minute": 32}
